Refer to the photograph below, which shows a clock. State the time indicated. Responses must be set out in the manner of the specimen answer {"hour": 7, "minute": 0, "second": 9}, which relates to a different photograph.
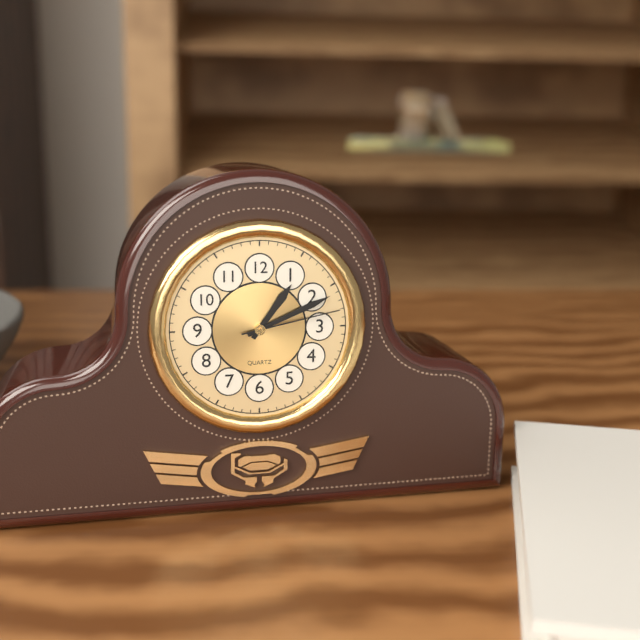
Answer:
{"hour": 1, "minute": 11, "second": 13}
